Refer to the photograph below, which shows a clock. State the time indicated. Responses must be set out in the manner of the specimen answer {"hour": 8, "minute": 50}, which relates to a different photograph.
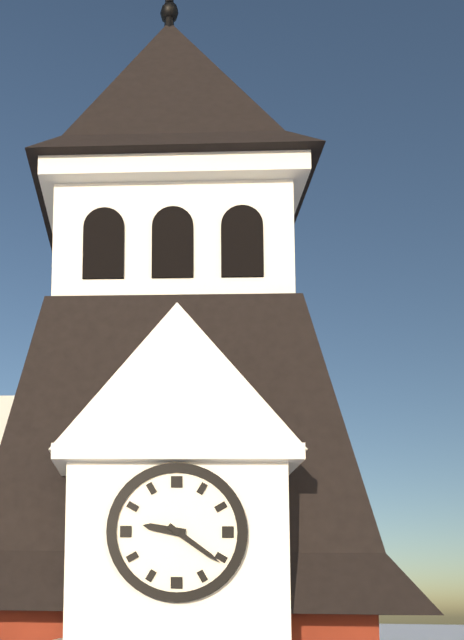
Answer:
{"hour": 9, "minute": 21}
